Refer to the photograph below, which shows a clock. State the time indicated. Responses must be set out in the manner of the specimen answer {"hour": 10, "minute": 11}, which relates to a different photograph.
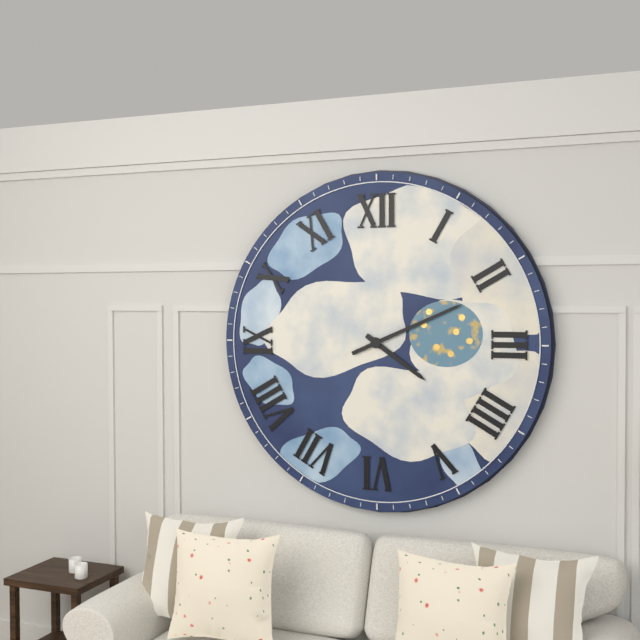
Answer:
{"hour": 4, "minute": 11}
